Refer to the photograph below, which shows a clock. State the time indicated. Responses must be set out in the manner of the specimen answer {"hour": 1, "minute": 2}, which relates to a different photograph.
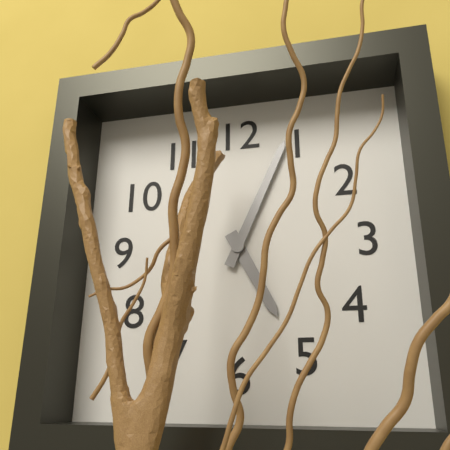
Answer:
{"hour": 5, "minute": 4}
